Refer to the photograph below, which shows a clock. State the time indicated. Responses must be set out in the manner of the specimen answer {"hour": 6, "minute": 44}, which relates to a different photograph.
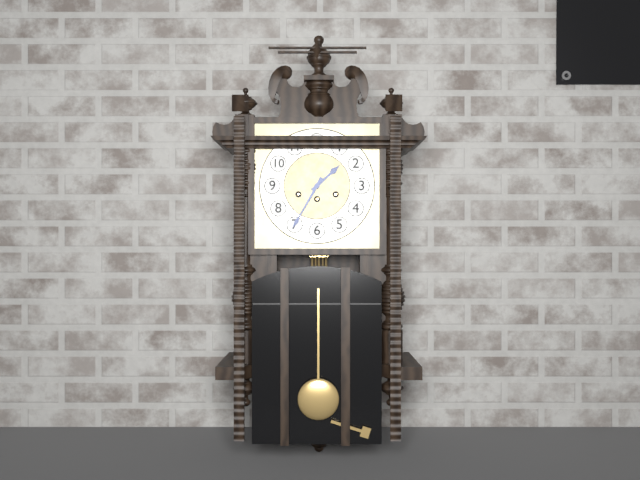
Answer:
{"hour": 1, "minute": 35}
